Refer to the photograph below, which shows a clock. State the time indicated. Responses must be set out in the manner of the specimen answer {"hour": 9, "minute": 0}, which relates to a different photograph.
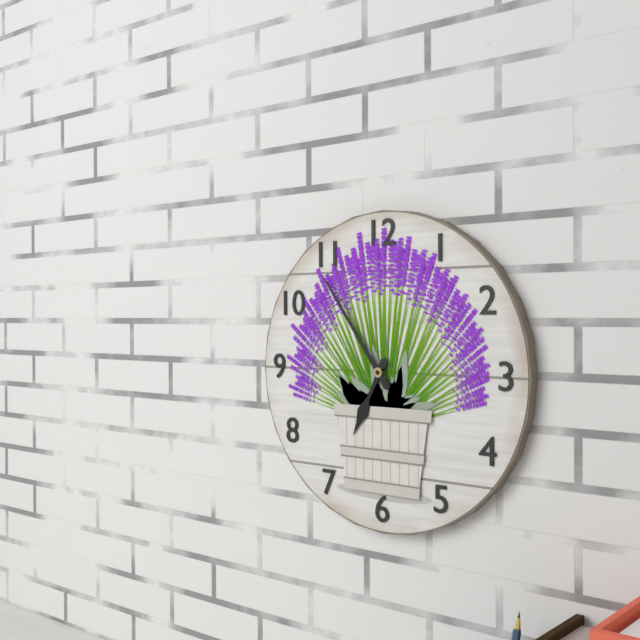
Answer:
{"hour": 6, "minute": 54}
